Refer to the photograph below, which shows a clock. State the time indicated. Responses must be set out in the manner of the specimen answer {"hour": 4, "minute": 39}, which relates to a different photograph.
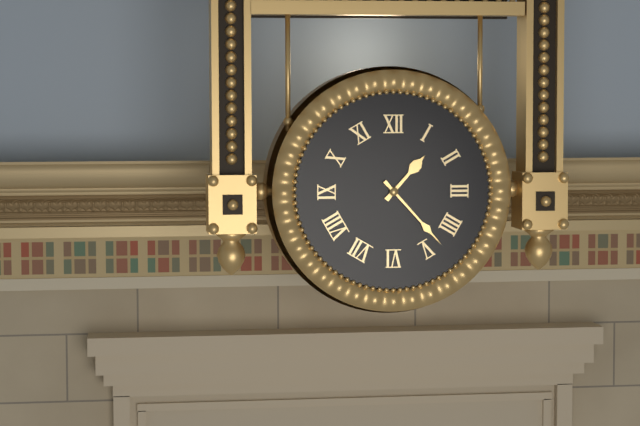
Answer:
{"hour": 1, "minute": 23}
